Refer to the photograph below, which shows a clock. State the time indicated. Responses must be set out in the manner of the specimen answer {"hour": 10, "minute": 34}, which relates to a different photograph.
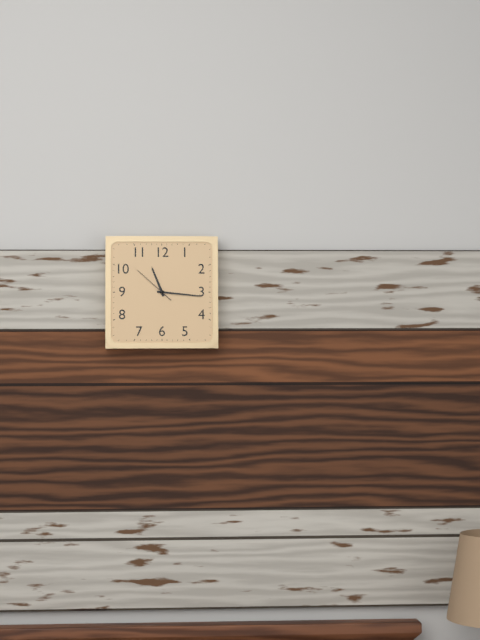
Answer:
{"hour": 11, "minute": 16}
